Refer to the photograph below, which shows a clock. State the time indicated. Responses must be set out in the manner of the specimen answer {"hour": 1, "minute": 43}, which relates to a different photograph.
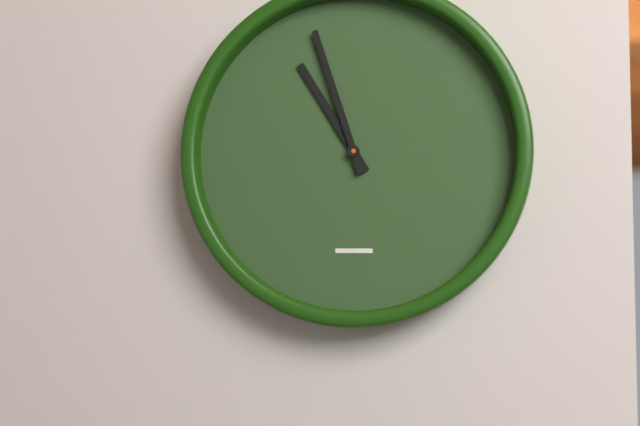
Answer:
{"hour": 10, "minute": 57}
